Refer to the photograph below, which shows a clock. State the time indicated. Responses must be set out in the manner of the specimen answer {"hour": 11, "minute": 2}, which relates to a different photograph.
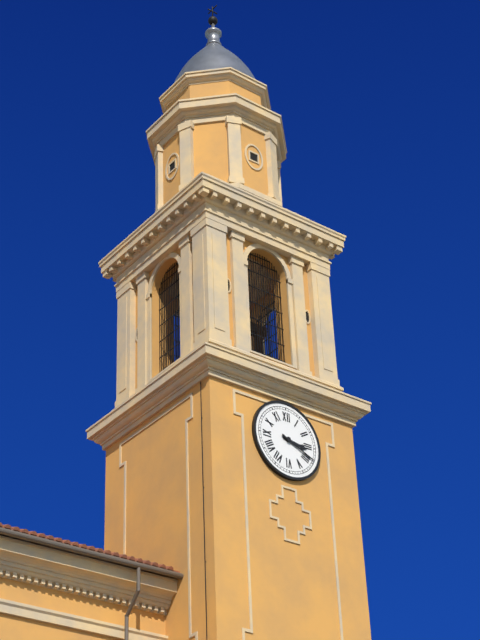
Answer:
{"hour": 3, "minute": 19}
